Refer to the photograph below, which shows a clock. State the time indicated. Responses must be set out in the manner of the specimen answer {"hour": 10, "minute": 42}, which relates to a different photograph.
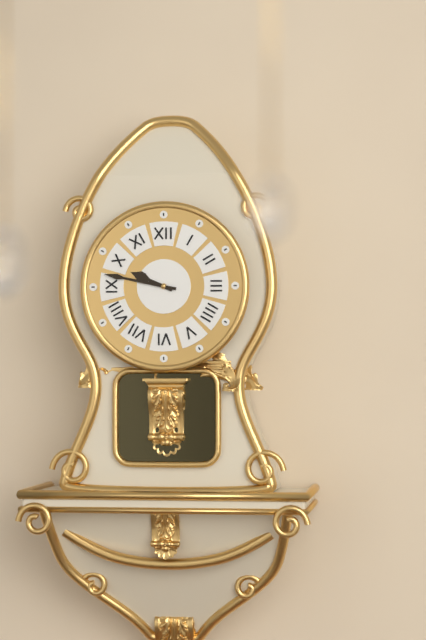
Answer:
{"hour": 9, "minute": 47}
